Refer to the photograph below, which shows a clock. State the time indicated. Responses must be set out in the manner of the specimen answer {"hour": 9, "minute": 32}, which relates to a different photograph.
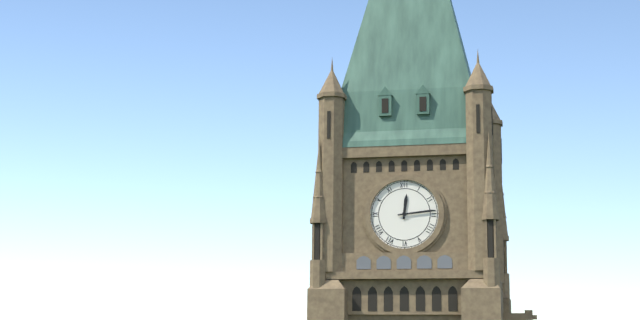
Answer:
{"hour": 12, "minute": 14}
